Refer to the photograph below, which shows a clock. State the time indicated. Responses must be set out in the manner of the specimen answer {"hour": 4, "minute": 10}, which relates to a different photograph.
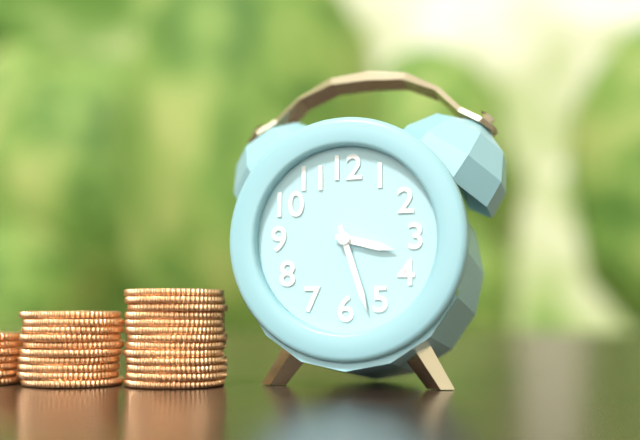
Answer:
{"hour": 3, "minute": 27}
